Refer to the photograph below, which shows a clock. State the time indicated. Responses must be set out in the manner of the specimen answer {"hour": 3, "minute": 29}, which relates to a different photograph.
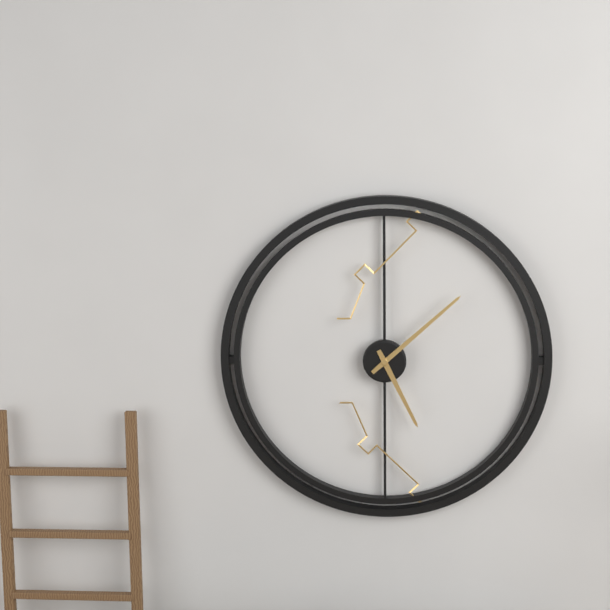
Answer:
{"hour": 5, "minute": 8}
